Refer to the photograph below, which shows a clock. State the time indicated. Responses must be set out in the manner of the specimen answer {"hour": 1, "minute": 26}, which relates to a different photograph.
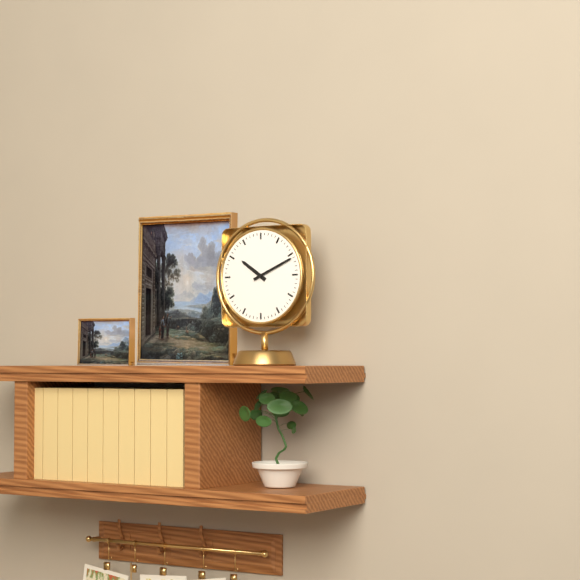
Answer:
{"hour": 10, "minute": 11}
